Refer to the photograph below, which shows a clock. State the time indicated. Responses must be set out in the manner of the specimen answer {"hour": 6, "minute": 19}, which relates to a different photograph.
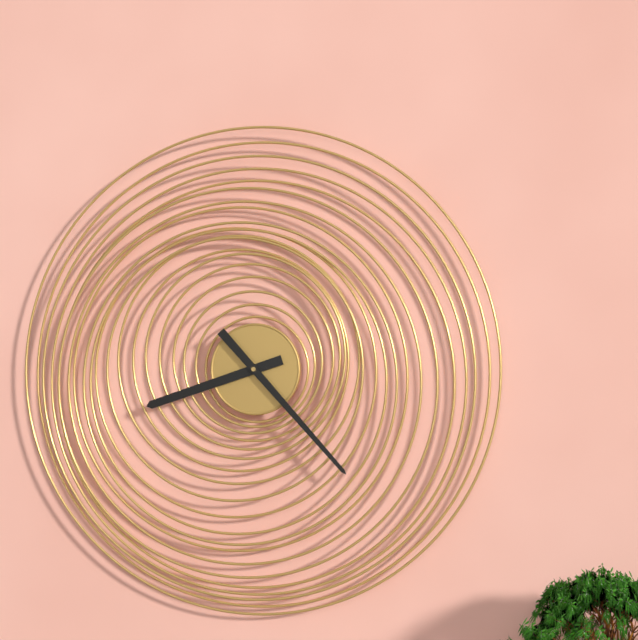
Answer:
{"hour": 8, "minute": 23}
